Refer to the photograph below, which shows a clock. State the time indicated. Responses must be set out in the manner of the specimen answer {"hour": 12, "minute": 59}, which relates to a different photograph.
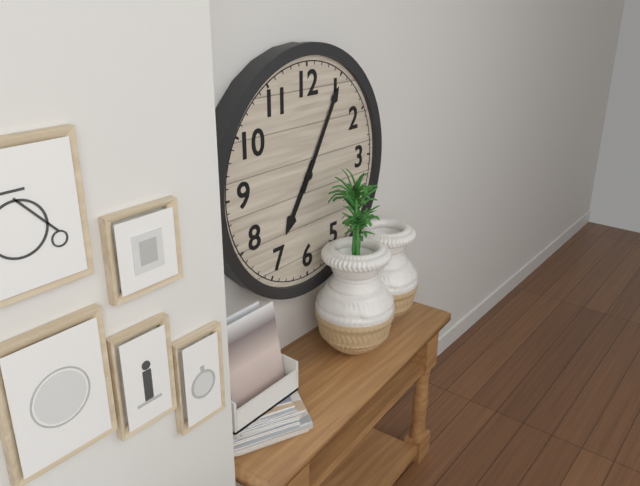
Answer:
{"hour": 7, "minute": 5}
